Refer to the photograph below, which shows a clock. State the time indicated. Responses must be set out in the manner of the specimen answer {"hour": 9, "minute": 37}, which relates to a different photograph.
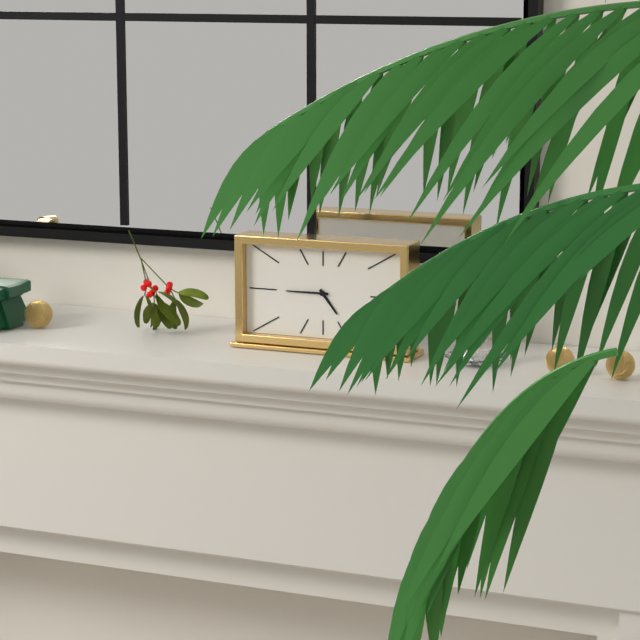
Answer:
{"hour": 4, "minute": 45}
